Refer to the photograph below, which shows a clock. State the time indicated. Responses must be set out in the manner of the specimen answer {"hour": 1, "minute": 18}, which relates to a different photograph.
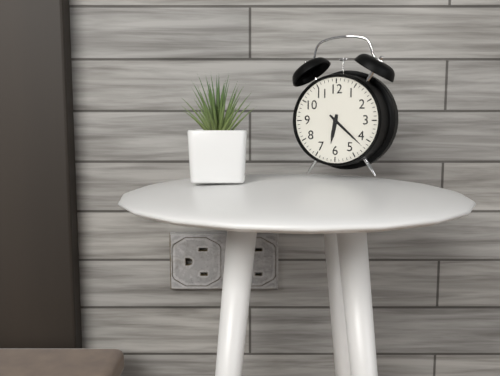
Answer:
{"hour": 6, "minute": 22}
